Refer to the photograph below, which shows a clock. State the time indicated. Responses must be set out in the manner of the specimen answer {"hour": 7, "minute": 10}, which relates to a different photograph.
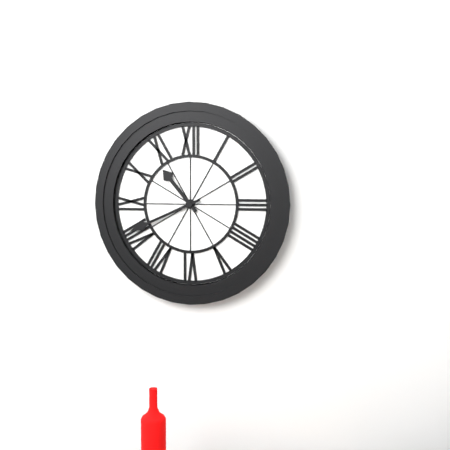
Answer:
{"hour": 10, "minute": 41}
